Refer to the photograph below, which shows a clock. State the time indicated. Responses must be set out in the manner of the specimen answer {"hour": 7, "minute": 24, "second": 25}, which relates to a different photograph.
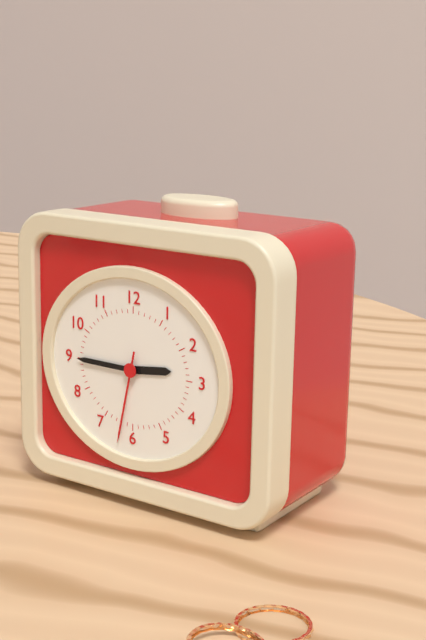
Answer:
{"hour": 2, "minute": 45, "second": 32}
